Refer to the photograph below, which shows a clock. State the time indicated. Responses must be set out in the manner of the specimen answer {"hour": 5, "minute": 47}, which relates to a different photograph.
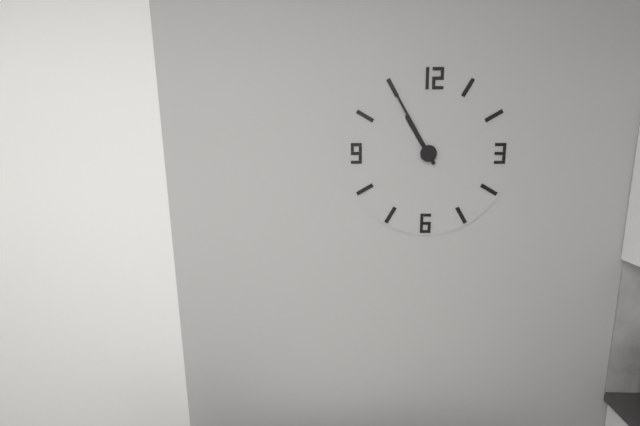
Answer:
{"hour": 10, "minute": 55}
